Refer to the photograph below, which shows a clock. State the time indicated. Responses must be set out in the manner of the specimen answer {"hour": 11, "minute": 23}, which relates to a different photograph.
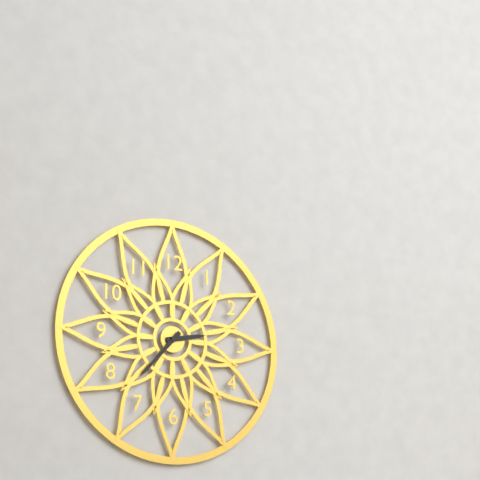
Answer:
{"hour": 2, "minute": 37}
